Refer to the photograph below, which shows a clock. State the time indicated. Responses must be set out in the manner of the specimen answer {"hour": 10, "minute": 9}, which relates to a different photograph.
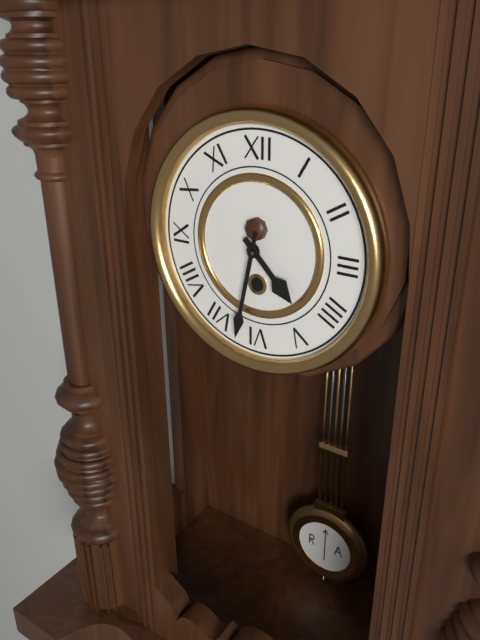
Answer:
{"hour": 4, "minute": 32}
